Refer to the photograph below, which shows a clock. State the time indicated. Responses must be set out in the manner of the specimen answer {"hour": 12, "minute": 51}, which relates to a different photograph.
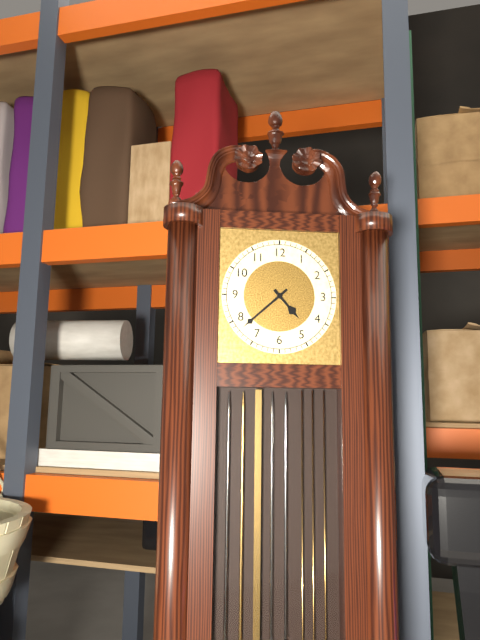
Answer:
{"hour": 4, "minute": 38}
